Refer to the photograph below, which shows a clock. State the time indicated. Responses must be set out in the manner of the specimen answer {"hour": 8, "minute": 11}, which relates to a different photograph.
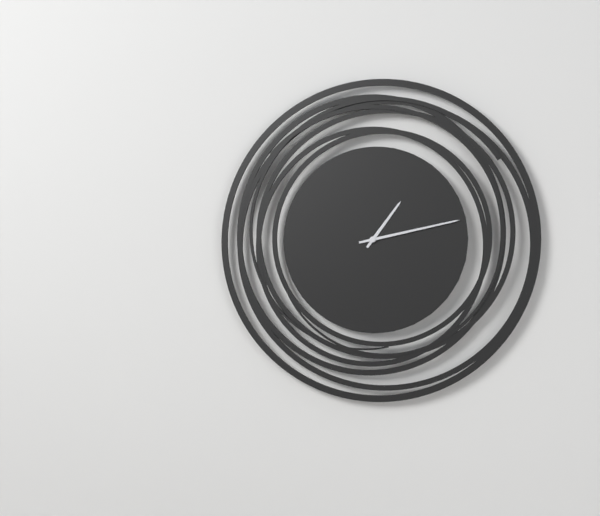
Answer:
{"hour": 1, "minute": 13}
